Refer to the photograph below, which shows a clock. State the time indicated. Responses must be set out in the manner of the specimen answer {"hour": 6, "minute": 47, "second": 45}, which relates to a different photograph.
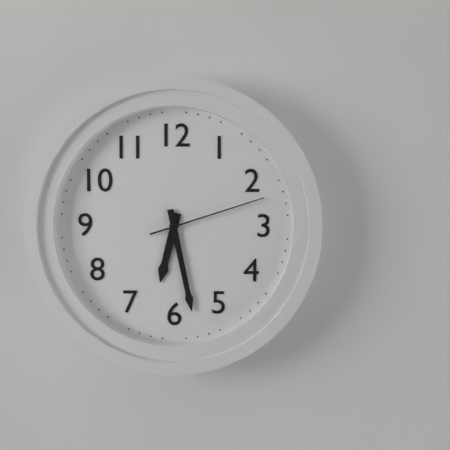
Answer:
{"hour": 6, "minute": 28, "second": 12}
